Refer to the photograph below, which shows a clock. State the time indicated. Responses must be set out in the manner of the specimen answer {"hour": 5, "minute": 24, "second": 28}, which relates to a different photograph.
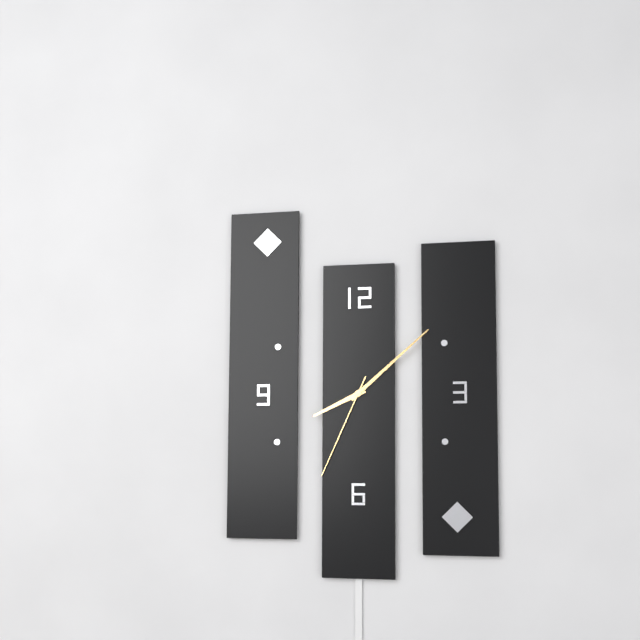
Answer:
{"hour": 8, "minute": 8, "second": 34}
